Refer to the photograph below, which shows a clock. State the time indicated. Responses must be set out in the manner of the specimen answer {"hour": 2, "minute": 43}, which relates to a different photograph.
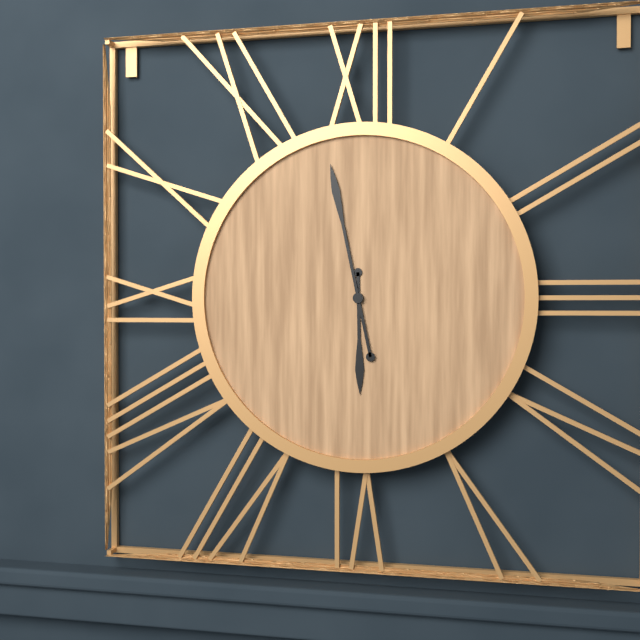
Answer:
{"hour": 5, "minute": 58}
